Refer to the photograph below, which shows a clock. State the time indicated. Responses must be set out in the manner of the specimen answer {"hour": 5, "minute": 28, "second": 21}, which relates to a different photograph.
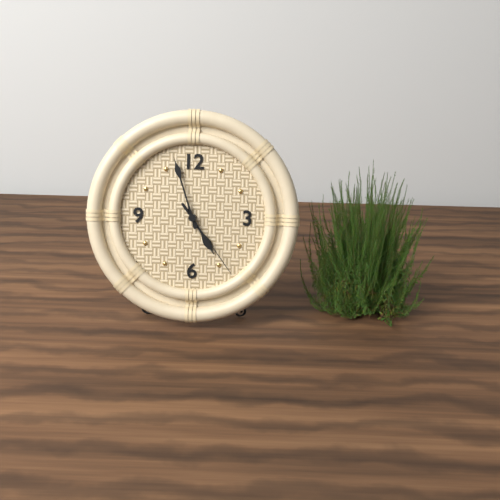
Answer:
{"hour": 4, "minute": 57, "second": 24}
